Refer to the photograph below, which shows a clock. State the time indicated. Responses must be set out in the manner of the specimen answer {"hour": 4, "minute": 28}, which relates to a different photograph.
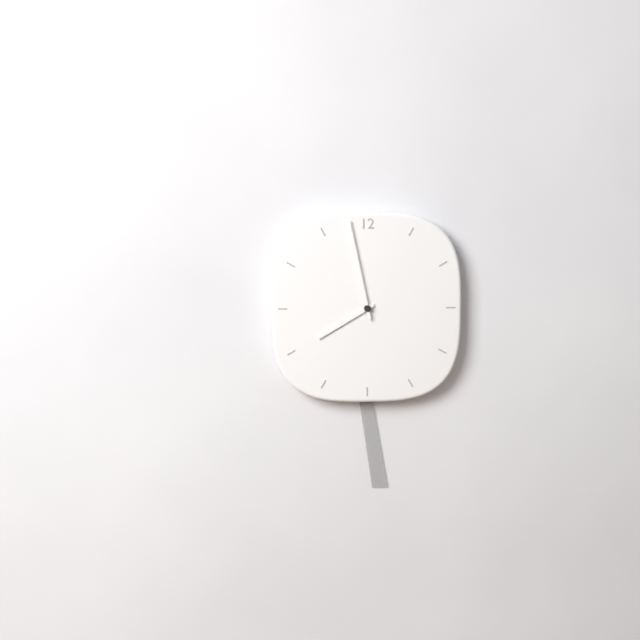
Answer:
{"hour": 7, "minute": 58}
